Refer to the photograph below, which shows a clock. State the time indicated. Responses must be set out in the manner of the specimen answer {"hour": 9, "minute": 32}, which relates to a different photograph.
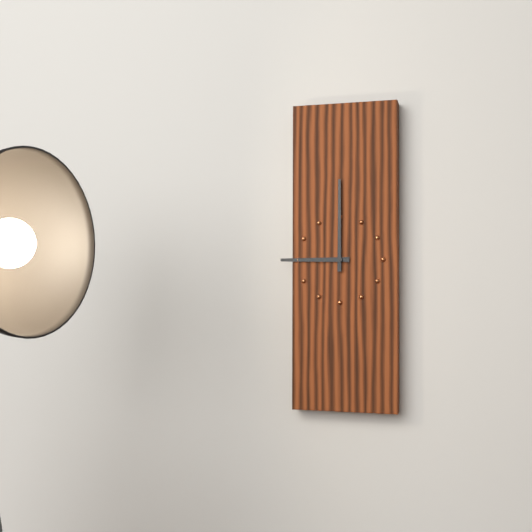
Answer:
{"hour": 9, "minute": 0}
